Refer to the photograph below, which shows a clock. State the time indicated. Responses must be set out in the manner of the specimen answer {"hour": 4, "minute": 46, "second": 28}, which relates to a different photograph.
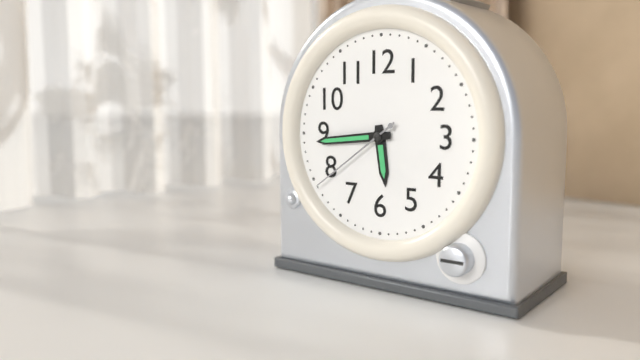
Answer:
{"hour": 5, "minute": 44, "second": 39}
